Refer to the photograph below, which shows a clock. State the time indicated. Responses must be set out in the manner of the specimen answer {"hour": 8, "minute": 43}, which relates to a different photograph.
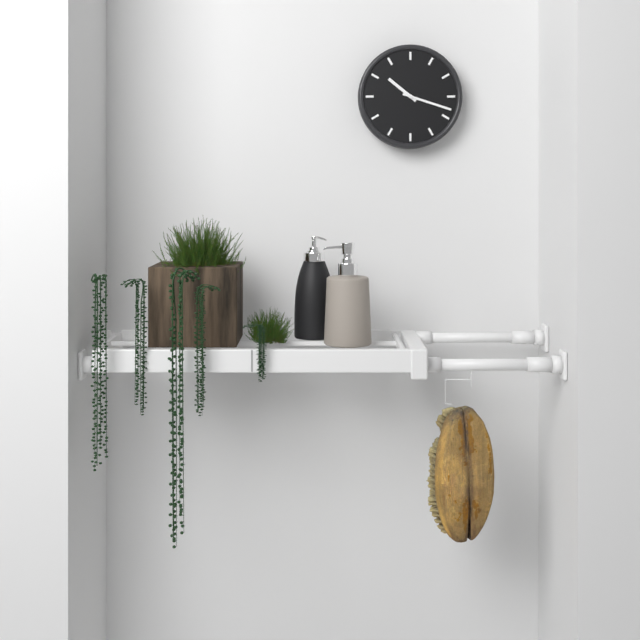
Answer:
{"hour": 10, "minute": 18}
